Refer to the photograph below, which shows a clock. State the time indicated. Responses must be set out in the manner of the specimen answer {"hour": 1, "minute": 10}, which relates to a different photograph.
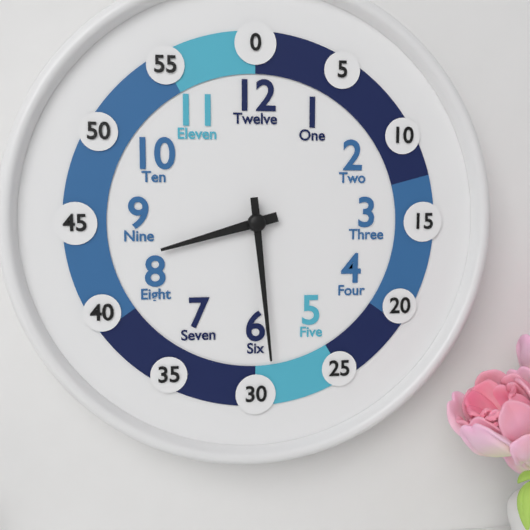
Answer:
{"hour": 8, "minute": 29}
